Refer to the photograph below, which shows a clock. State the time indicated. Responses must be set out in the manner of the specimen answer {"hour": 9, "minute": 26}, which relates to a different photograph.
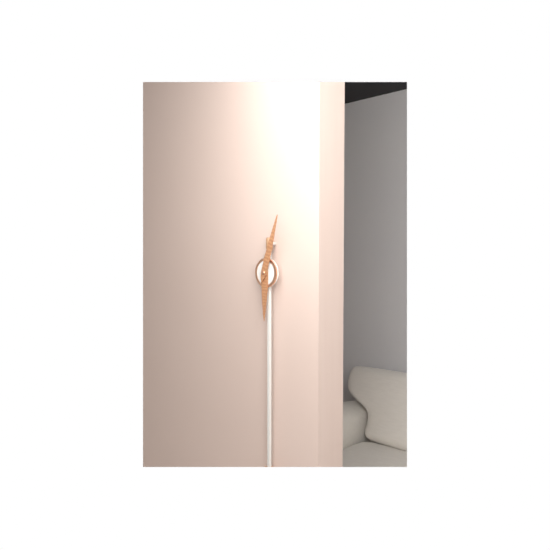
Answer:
{"hour": 6, "minute": 3}
